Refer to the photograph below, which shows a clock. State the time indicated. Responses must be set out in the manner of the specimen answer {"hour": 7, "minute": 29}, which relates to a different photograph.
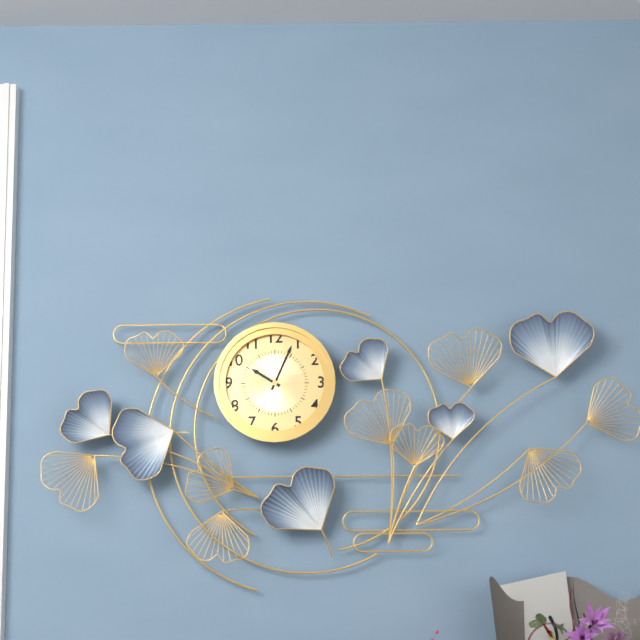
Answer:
{"hour": 10, "minute": 4}
